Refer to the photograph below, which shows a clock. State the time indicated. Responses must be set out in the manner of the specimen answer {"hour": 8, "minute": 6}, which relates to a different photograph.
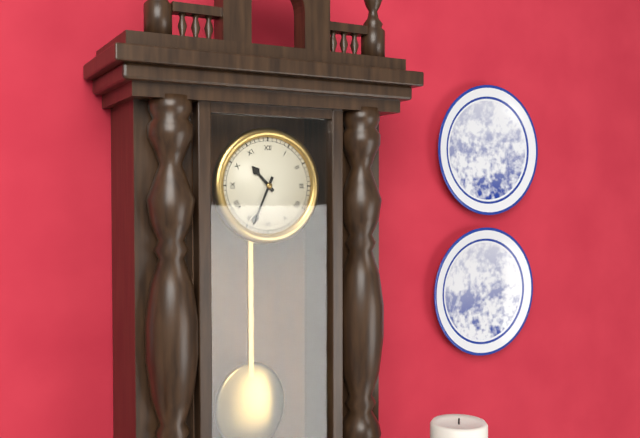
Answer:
{"hour": 10, "minute": 34}
